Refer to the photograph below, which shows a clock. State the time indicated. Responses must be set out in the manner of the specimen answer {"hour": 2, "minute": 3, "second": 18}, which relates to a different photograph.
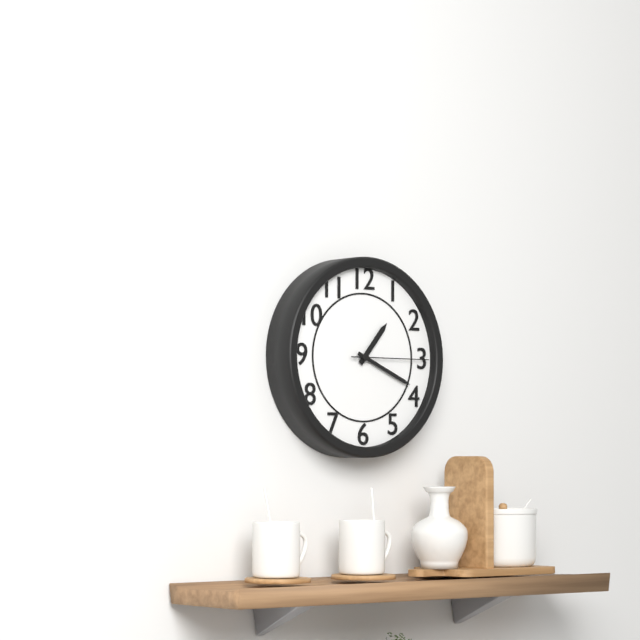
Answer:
{"hour": 1, "minute": 19, "second": 15}
